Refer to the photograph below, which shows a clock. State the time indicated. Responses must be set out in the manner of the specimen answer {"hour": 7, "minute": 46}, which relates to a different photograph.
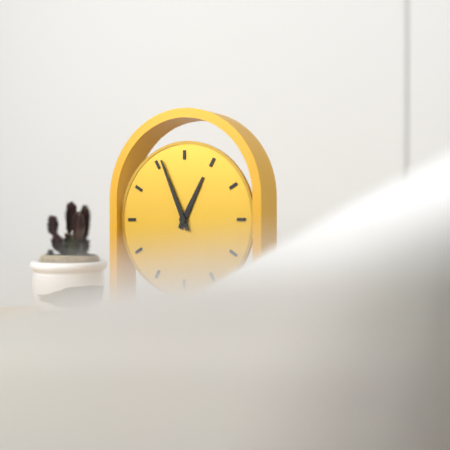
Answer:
{"hour": 12, "minute": 56}
